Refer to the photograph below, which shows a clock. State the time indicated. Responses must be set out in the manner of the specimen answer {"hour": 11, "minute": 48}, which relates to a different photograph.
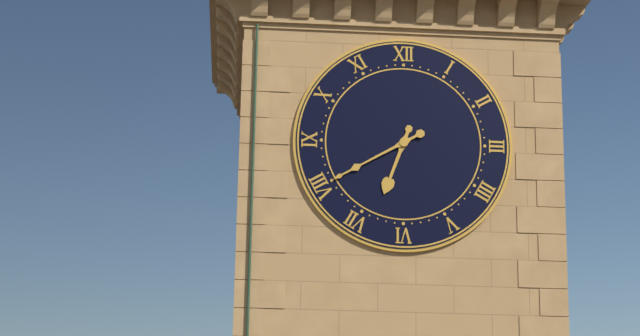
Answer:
{"hour": 6, "minute": 40}
